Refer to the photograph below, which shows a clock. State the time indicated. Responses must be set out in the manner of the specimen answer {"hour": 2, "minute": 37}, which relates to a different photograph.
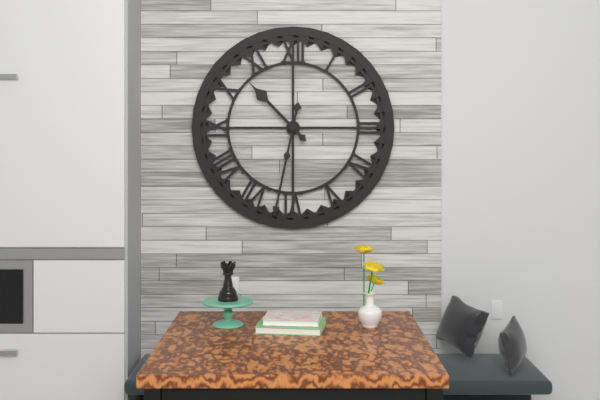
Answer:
{"hour": 10, "minute": 32}
